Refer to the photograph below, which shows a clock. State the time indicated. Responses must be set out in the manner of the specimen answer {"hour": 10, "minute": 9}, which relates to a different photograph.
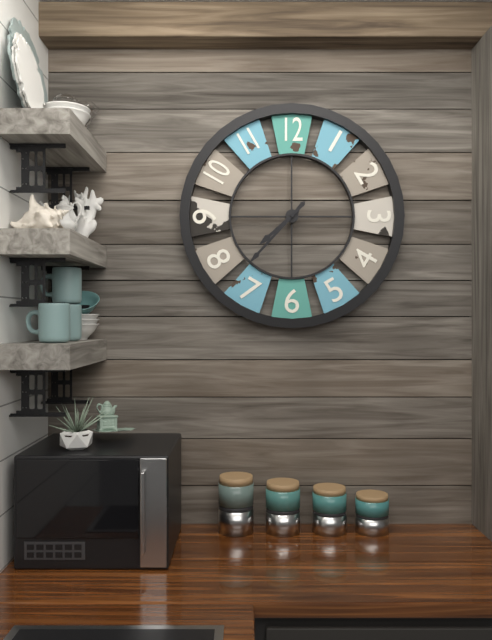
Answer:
{"hour": 7, "minute": 37}
